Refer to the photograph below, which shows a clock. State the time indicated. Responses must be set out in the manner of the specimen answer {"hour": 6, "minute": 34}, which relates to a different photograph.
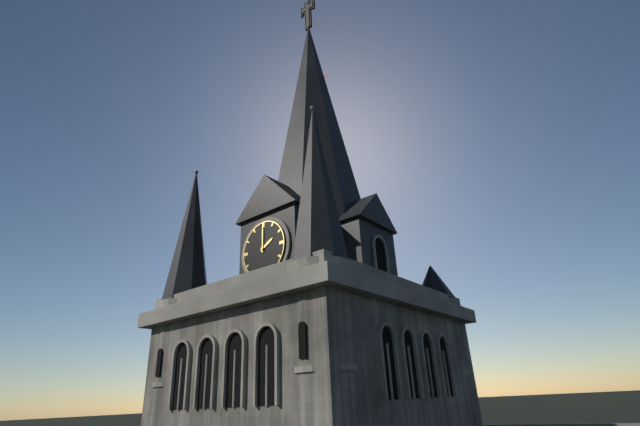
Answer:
{"hour": 2, "minute": 0}
